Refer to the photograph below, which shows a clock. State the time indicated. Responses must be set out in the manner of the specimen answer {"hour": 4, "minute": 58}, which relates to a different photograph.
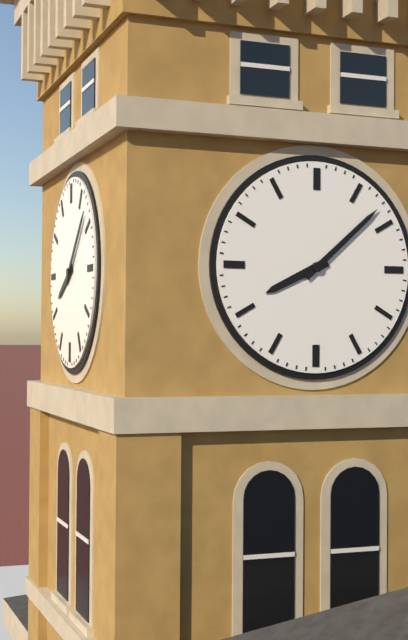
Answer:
{"hour": 8, "minute": 8}
